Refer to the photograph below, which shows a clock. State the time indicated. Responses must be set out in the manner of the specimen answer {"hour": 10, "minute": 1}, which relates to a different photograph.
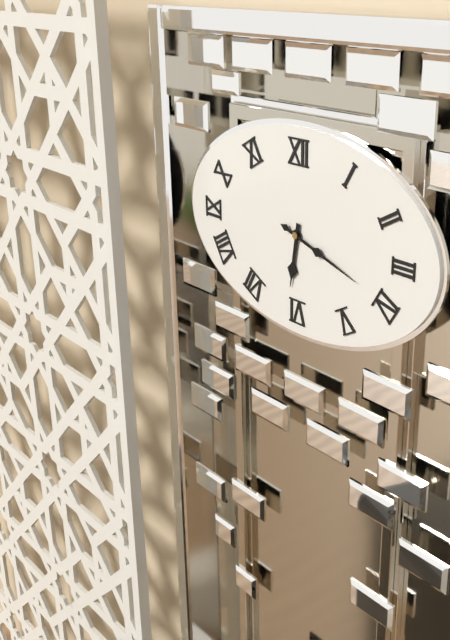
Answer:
{"hour": 6, "minute": 18}
